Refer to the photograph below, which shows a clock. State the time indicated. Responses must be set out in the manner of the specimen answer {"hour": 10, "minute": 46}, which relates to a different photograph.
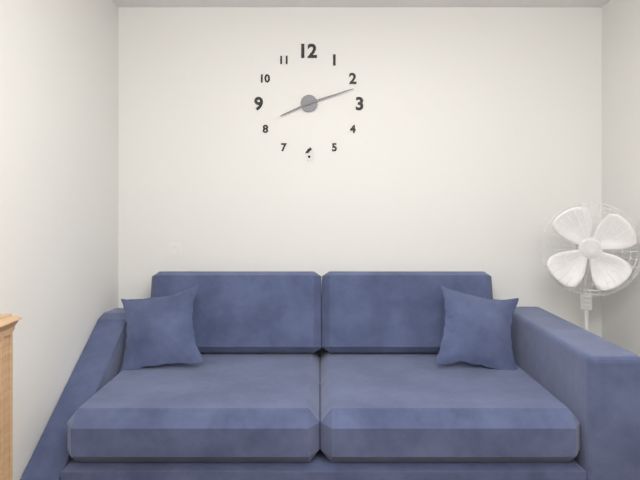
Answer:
{"hour": 8, "minute": 12}
